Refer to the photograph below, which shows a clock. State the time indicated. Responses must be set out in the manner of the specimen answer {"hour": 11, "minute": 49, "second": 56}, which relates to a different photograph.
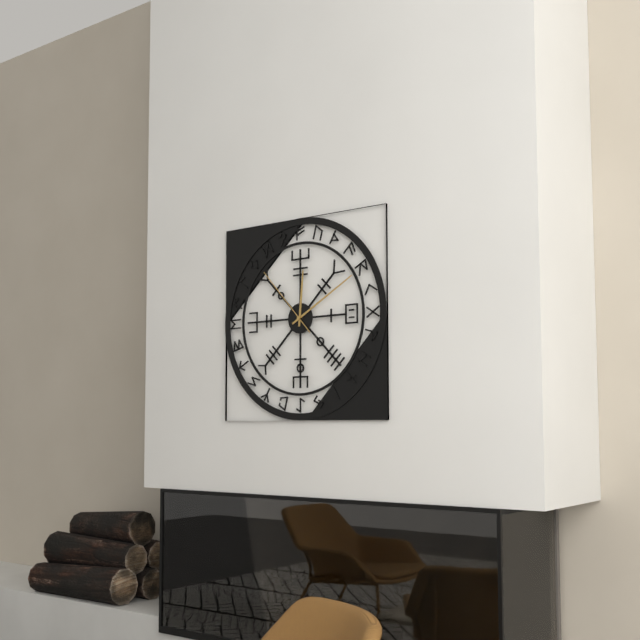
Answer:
{"hour": 12, "minute": 10, "second": 53}
